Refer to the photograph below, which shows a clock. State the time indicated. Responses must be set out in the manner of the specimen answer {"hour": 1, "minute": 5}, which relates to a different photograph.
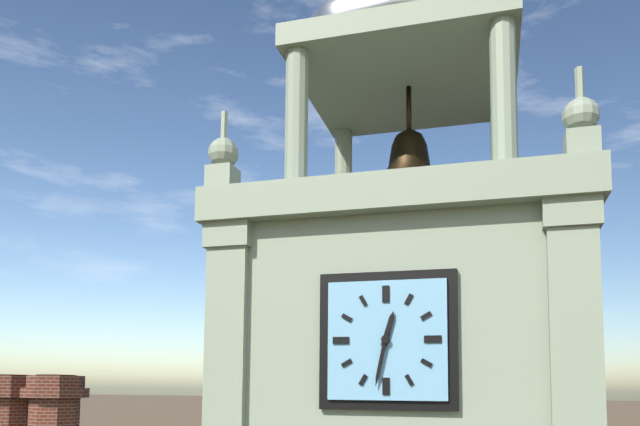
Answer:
{"hour": 12, "minute": 32}
